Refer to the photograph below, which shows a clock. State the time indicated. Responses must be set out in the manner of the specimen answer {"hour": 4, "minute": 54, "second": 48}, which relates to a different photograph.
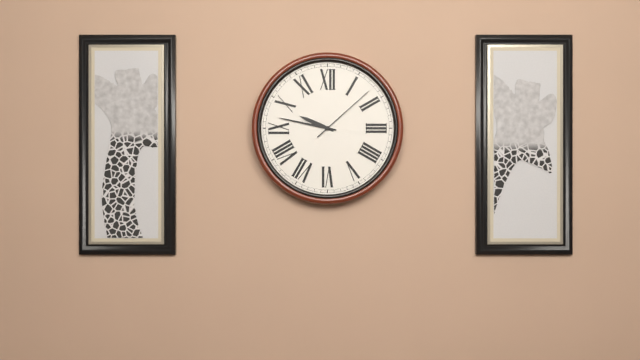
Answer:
{"hour": 9, "minute": 47, "second": 8}
